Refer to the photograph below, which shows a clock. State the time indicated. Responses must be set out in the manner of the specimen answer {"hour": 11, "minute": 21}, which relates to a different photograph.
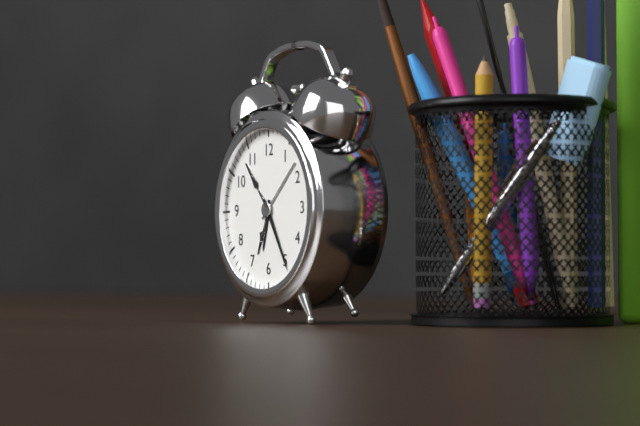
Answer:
{"hour": 6, "minute": 25}
